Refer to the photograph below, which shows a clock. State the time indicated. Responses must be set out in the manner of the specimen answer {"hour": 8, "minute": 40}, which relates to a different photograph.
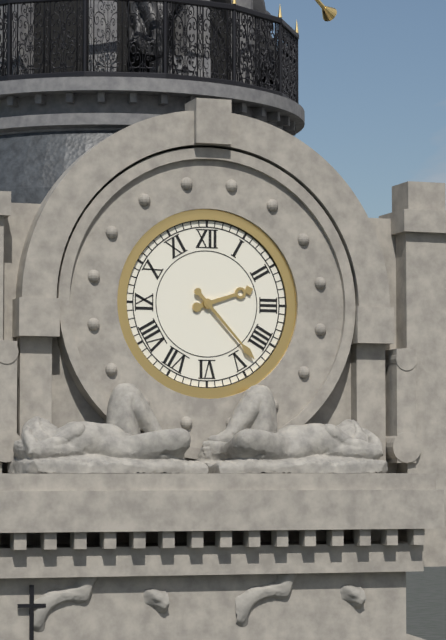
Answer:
{"hour": 2, "minute": 23}
